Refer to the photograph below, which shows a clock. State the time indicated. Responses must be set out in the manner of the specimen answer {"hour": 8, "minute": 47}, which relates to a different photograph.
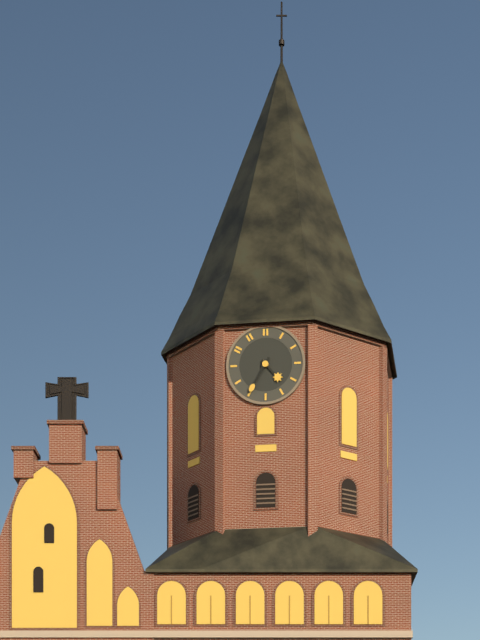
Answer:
{"hour": 4, "minute": 35}
